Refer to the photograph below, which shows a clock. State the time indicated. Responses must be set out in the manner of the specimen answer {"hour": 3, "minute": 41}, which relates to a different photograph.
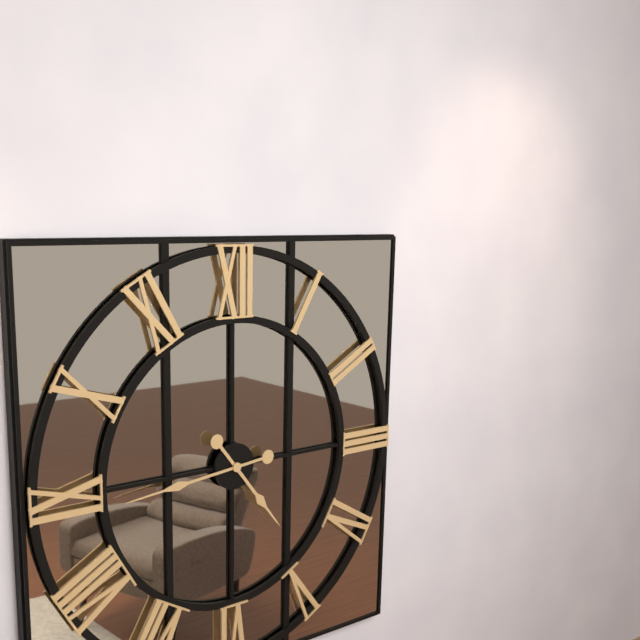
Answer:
{"hour": 4, "minute": 44}
